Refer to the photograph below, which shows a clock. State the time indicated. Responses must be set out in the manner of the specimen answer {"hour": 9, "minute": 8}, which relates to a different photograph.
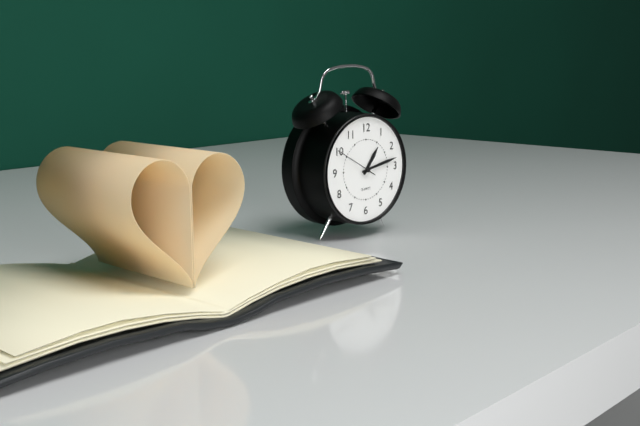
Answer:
{"hour": 1, "minute": 13}
